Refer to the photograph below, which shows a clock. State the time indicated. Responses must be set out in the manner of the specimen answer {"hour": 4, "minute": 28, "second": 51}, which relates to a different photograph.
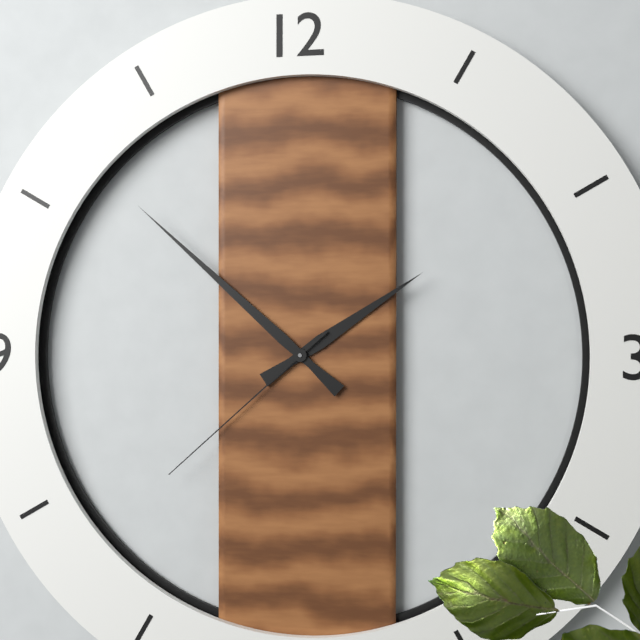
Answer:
{"hour": 1, "minute": 52, "second": 38}
